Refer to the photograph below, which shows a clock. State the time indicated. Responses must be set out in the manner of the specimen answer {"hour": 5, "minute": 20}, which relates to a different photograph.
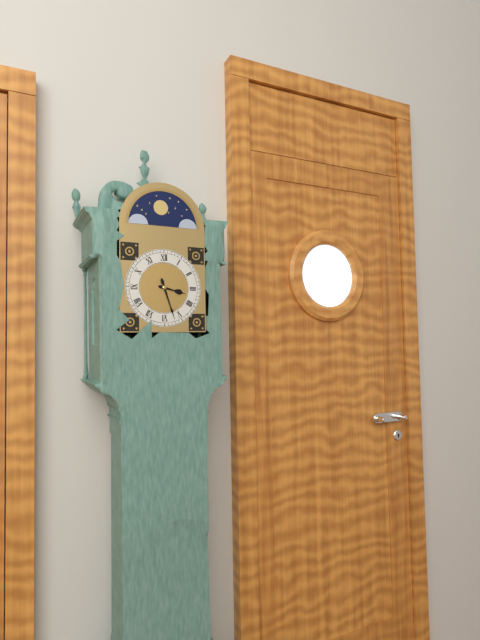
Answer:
{"hour": 3, "minute": 27}
